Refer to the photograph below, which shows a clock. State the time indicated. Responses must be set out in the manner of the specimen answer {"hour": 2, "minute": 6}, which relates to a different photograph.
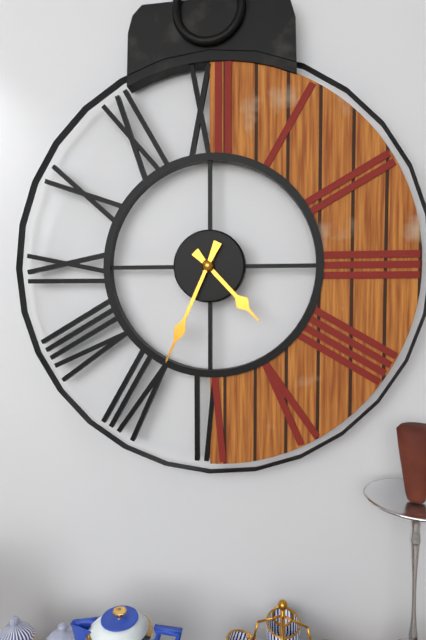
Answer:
{"hour": 4, "minute": 34}
